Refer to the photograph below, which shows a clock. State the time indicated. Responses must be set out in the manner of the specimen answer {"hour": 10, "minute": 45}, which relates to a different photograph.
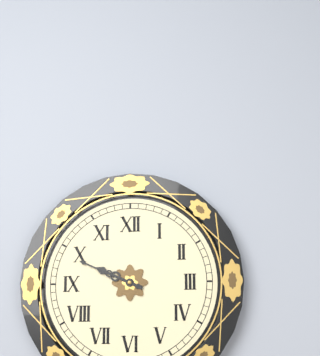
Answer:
{"hour": 9, "minute": 49}
